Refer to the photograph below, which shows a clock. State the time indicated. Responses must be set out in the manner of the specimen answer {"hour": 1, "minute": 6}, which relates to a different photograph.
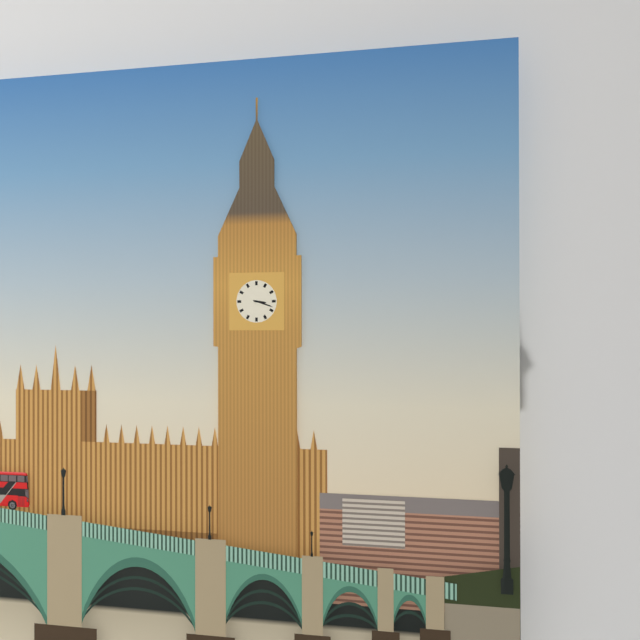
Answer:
{"hour": 3, "minute": 18}
